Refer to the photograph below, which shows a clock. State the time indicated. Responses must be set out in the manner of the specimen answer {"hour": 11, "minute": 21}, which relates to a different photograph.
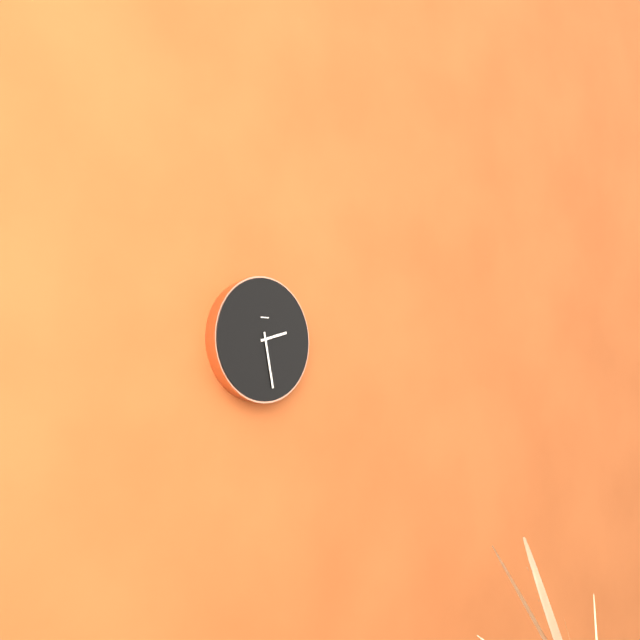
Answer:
{"hour": 2, "minute": 28}
